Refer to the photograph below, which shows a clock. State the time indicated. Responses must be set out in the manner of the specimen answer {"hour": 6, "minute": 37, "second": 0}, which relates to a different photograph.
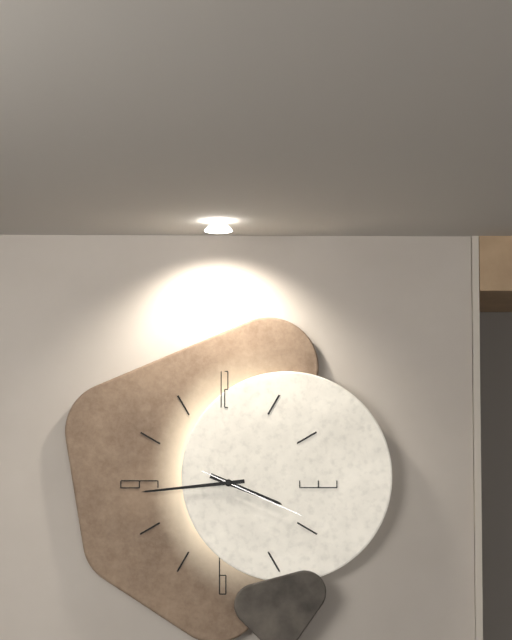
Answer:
{"hour": 3, "minute": 44, "second": 19}
